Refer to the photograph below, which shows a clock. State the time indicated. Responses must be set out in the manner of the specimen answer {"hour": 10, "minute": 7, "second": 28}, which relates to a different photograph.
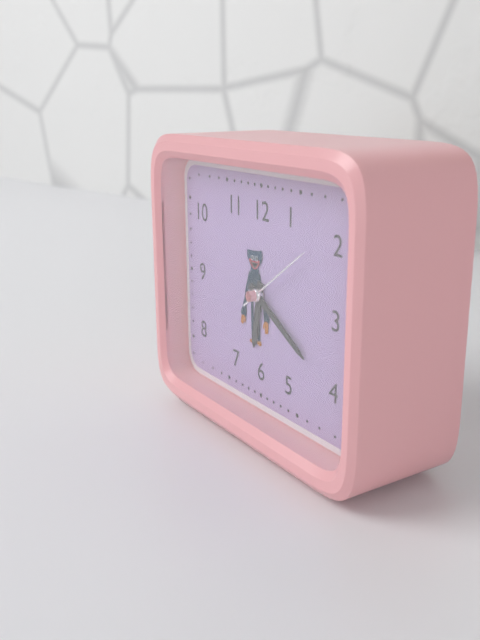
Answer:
{"hour": 6, "minute": 20, "second": 9}
